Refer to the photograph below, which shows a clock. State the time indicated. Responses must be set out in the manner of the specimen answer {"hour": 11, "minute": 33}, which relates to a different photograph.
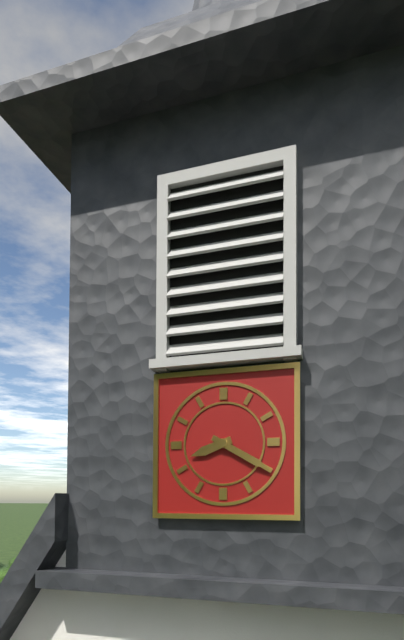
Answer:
{"hour": 8, "minute": 20}
